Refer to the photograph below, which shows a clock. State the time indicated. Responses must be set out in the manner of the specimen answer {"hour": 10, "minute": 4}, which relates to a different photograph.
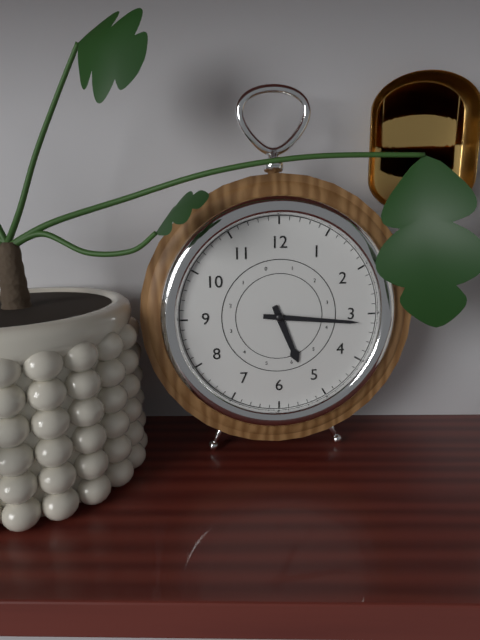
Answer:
{"hour": 5, "minute": 16}
